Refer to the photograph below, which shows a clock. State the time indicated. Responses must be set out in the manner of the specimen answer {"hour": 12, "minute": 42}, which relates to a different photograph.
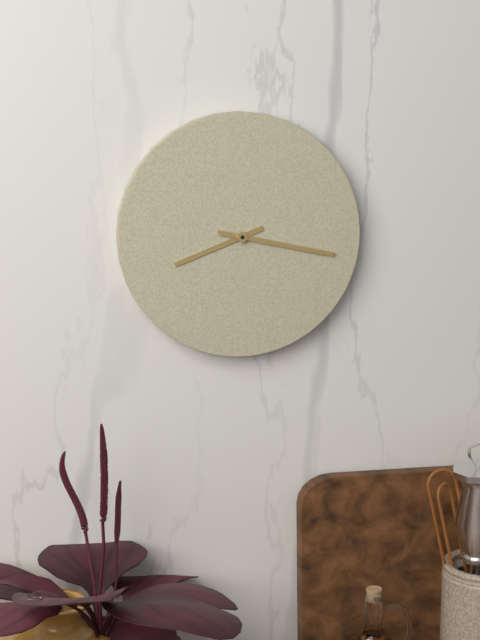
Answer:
{"hour": 8, "minute": 17}
